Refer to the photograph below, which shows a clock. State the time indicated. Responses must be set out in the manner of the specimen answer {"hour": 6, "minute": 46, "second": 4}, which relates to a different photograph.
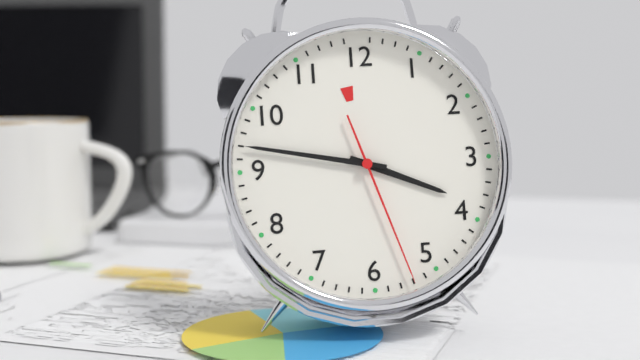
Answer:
{"hour": 3, "minute": 47, "second": 27}
